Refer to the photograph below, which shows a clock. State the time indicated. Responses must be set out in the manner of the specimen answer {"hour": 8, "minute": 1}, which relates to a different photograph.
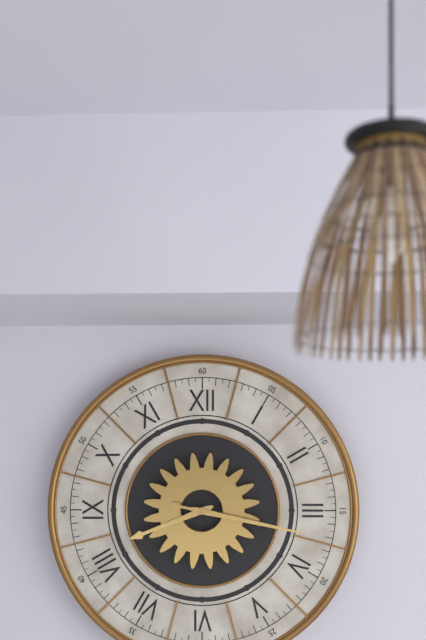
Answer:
{"hour": 8, "minute": 17}
